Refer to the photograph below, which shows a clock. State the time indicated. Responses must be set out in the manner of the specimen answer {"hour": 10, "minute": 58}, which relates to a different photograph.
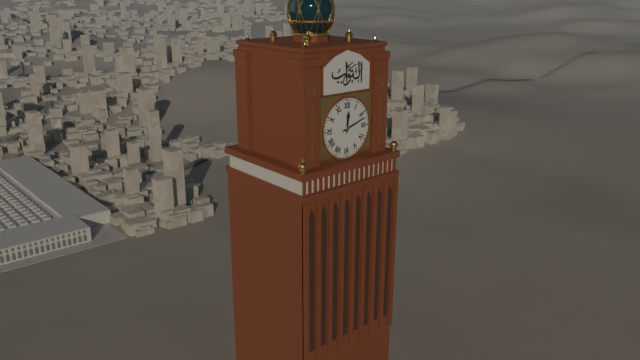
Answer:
{"hour": 12, "minute": 12}
